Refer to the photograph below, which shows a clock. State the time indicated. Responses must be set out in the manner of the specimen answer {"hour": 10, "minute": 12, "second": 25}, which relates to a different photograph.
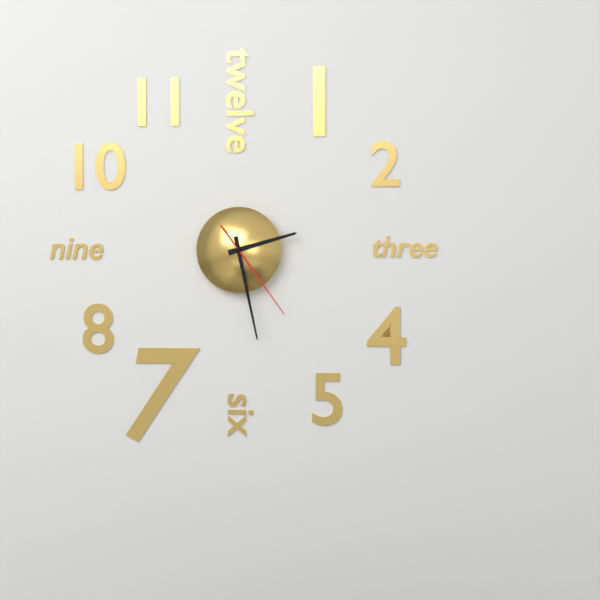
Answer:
{"hour": 2, "minute": 28, "second": 24}
